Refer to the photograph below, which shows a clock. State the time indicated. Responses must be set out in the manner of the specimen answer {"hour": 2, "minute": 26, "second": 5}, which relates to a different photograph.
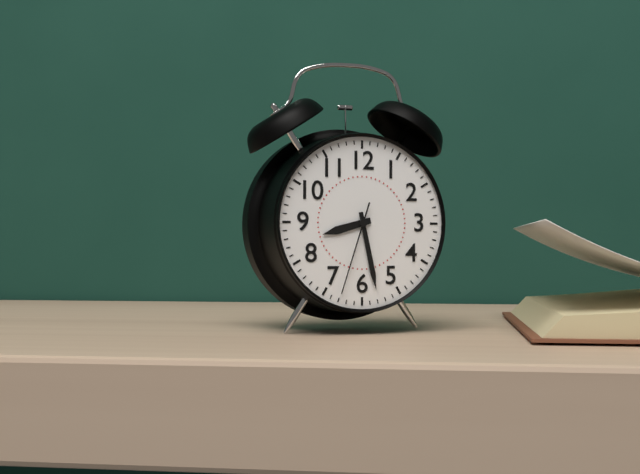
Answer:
{"hour": 8, "minute": 28, "second": 33}
